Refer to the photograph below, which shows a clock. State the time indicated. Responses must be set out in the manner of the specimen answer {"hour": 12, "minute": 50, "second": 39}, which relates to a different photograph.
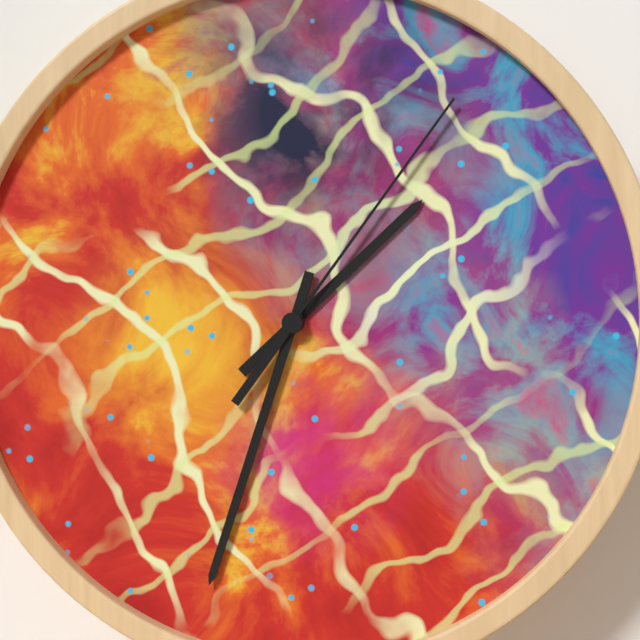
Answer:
{"hour": 1, "minute": 33, "second": 6}
